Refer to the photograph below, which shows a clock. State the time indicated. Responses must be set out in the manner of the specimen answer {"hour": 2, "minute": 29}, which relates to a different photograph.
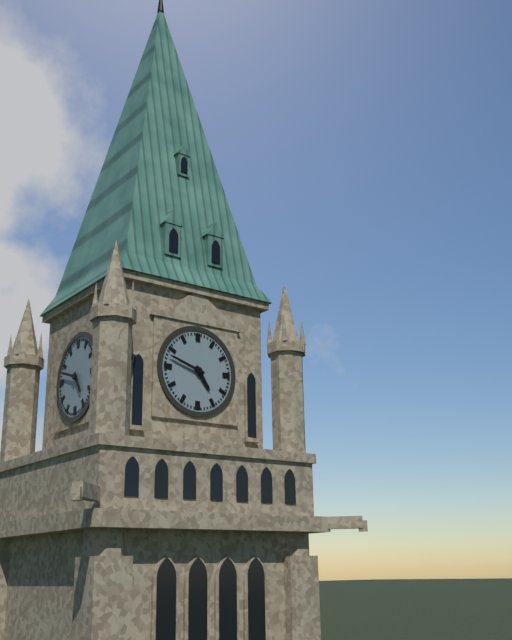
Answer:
{"hour": 4, "minute": 48}
